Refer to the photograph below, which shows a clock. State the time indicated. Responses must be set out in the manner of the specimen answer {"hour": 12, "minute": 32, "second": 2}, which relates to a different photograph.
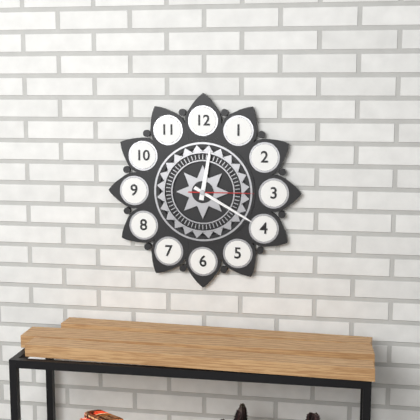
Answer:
{"hour": 12, "minute": 20, "second": 15}
